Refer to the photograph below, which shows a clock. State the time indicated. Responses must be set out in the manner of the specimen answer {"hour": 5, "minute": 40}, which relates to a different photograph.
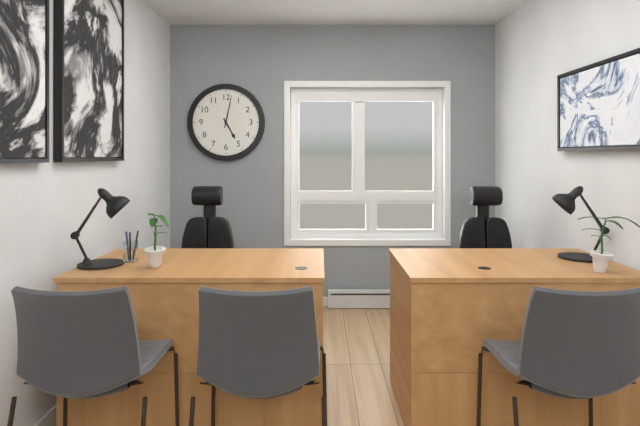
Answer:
{"hour": 5, "minute": 2}
